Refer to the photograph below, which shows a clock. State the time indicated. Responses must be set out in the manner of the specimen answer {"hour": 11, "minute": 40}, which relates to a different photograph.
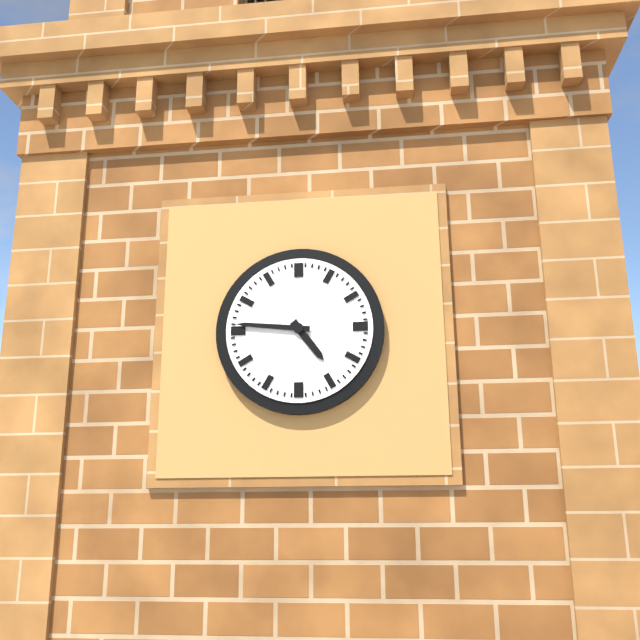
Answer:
{"hour": 4, "minute": 46}
